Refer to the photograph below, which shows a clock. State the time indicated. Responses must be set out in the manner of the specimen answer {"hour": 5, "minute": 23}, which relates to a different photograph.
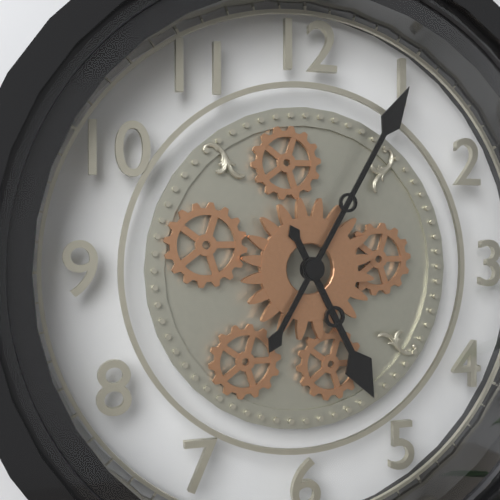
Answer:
{"hour": 5, "minute": 5}
